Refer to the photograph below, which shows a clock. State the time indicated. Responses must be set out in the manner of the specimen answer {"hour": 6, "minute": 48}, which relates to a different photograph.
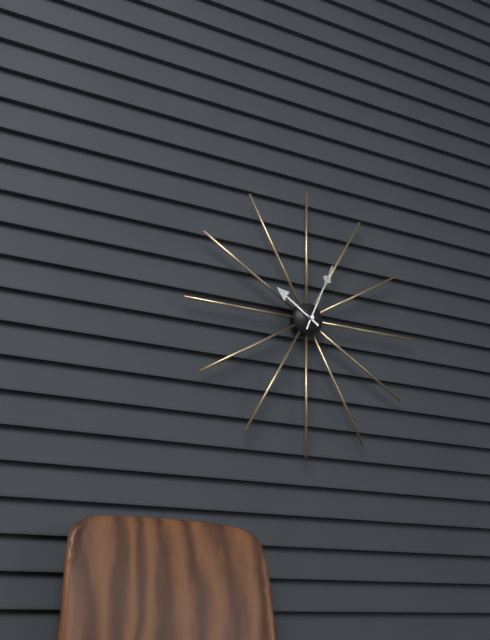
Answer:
{"hour": 10, "minute": 4}
